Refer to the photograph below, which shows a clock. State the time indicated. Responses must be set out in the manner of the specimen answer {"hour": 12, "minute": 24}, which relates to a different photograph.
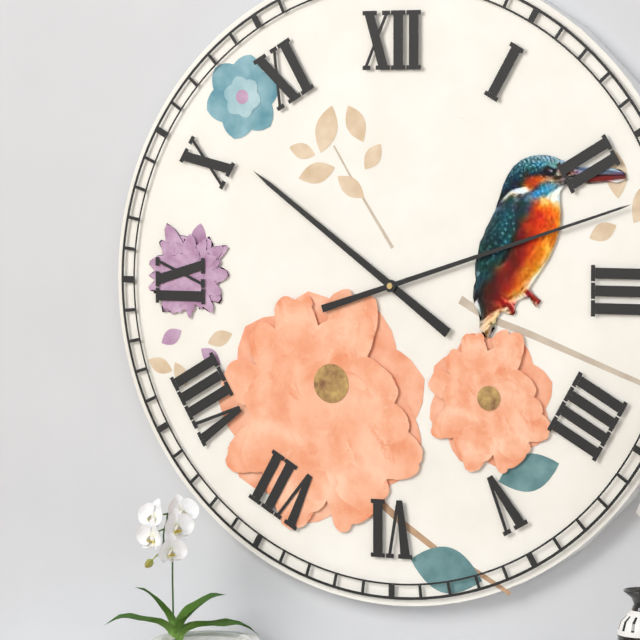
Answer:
{"hour": 10, "minute": 12}
